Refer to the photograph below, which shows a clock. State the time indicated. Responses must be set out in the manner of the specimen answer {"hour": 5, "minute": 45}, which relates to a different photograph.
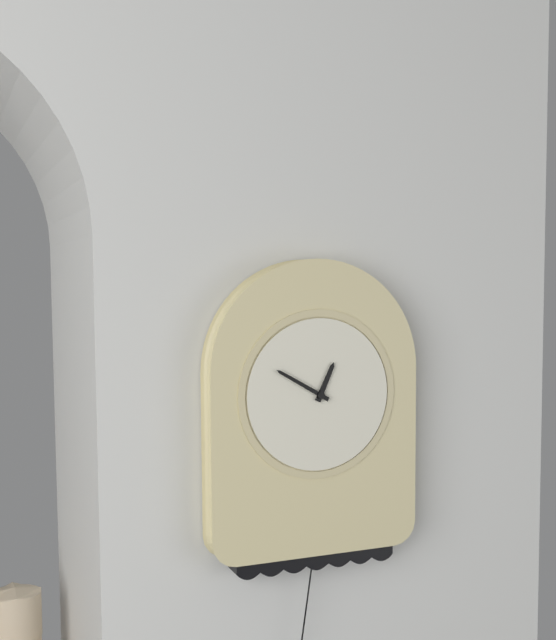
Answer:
{"hour": 12, "minute": 50}
